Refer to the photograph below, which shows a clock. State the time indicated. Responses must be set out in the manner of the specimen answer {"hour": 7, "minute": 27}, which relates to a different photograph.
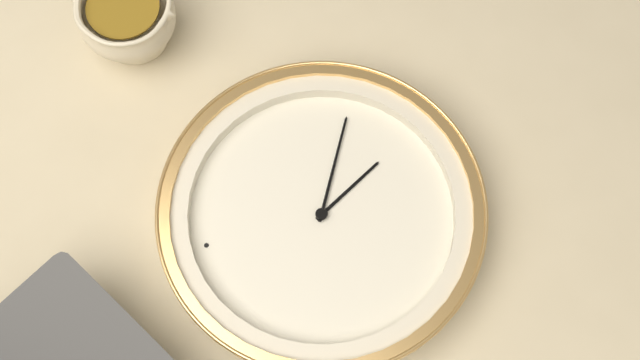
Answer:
{"hour": 4, "minute": 16}
